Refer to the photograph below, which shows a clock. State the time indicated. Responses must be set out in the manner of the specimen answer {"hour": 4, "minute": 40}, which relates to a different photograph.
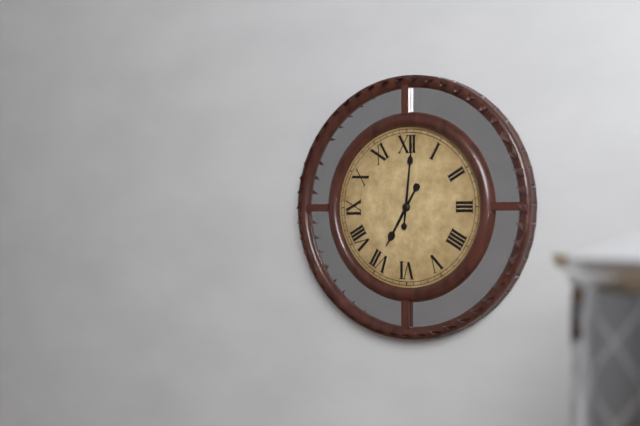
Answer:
{"hour": 7, "minute": 1}
